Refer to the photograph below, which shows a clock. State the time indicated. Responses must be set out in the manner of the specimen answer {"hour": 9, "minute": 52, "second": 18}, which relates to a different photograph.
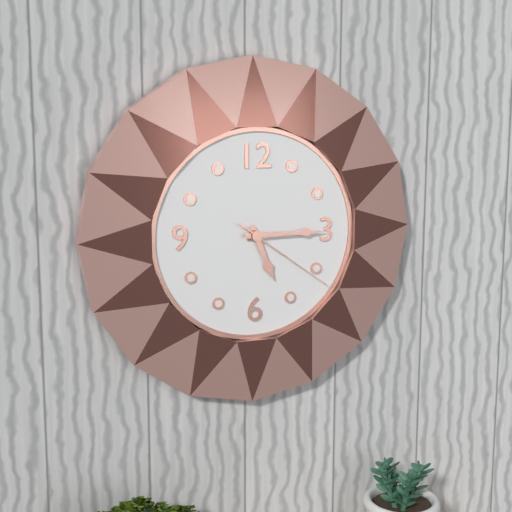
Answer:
{"hour": 5, "minute": 15, "second": 21}
